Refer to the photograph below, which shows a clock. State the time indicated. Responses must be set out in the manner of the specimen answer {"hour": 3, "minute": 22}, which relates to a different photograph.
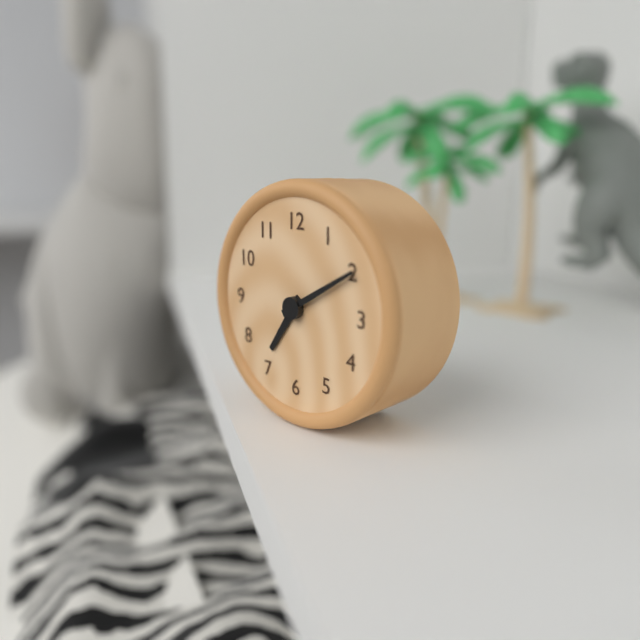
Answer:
{"hour": 7, "minute": 10}
